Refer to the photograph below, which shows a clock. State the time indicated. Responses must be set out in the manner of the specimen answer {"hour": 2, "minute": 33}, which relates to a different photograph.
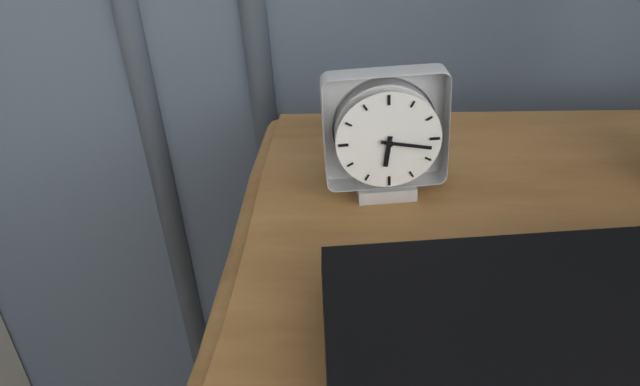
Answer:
{"hour": 6, "minute": 17}
